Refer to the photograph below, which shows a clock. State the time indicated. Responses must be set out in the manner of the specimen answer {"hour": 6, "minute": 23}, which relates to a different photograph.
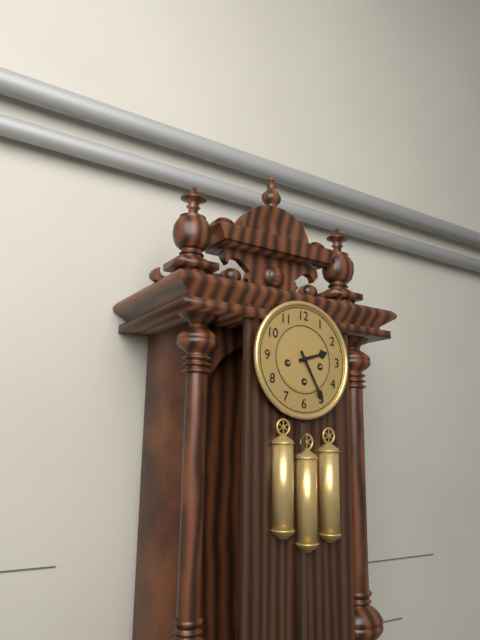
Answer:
{"hour": 2, "minute": 25}
